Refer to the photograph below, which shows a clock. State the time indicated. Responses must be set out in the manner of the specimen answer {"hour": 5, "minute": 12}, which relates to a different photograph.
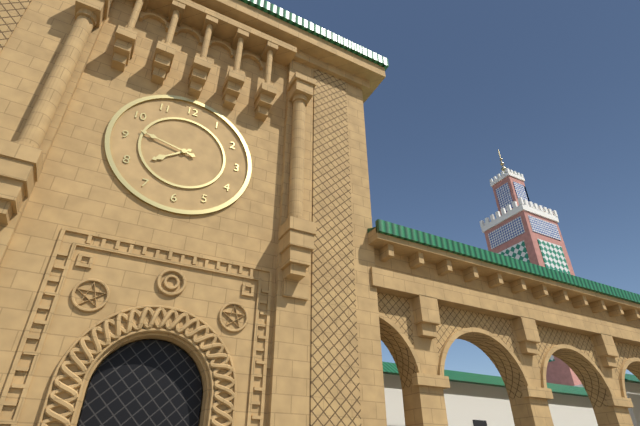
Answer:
{"hour": 7, "minute": 47}
